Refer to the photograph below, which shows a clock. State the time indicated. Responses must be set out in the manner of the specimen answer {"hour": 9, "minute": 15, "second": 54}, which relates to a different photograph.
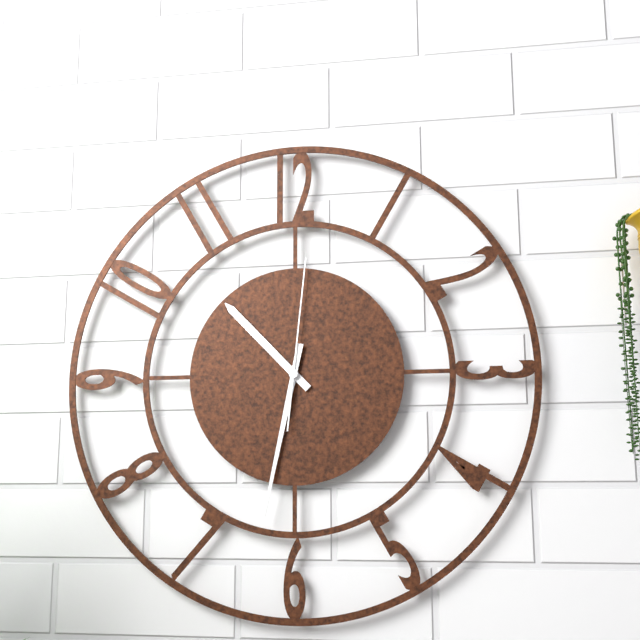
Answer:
{"hour": 10, "minute": 32, "second": 1}
